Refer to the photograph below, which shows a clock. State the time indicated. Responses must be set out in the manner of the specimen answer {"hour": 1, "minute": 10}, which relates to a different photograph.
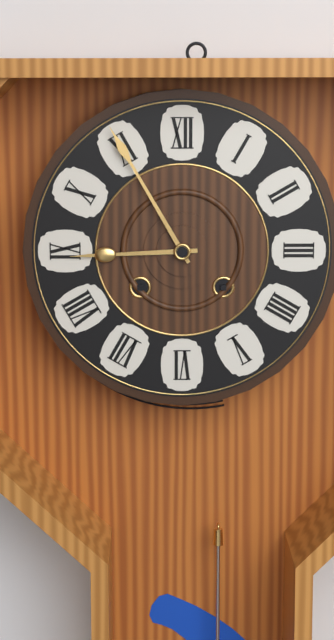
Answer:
{"hour": 8, "minute": 55}
